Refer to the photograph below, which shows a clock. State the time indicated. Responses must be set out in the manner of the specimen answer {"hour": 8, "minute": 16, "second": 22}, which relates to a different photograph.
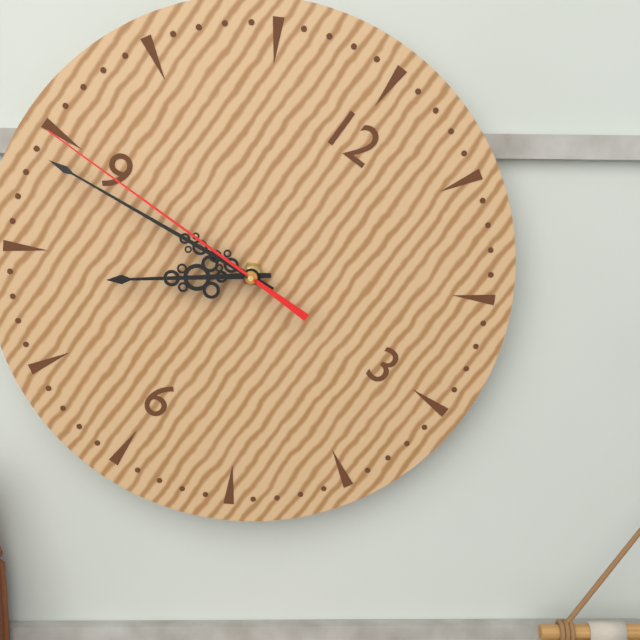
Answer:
{"hour": 7, "minute": 44, "second": 45}
